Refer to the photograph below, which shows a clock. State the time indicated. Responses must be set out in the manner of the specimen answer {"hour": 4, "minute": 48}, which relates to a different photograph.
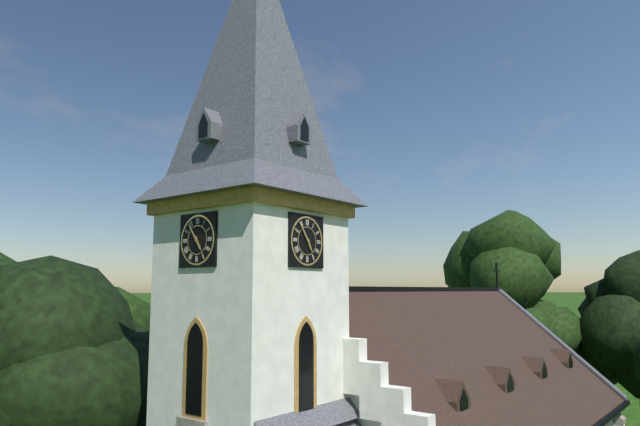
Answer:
{"hour": 4, "minute": 54}
